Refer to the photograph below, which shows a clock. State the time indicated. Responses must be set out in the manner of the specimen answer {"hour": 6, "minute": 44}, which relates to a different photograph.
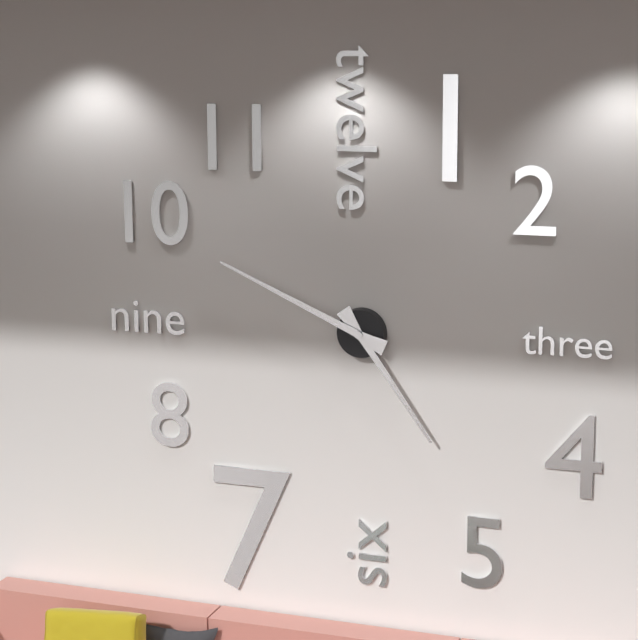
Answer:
{"hour": 4, "minute": 49}
